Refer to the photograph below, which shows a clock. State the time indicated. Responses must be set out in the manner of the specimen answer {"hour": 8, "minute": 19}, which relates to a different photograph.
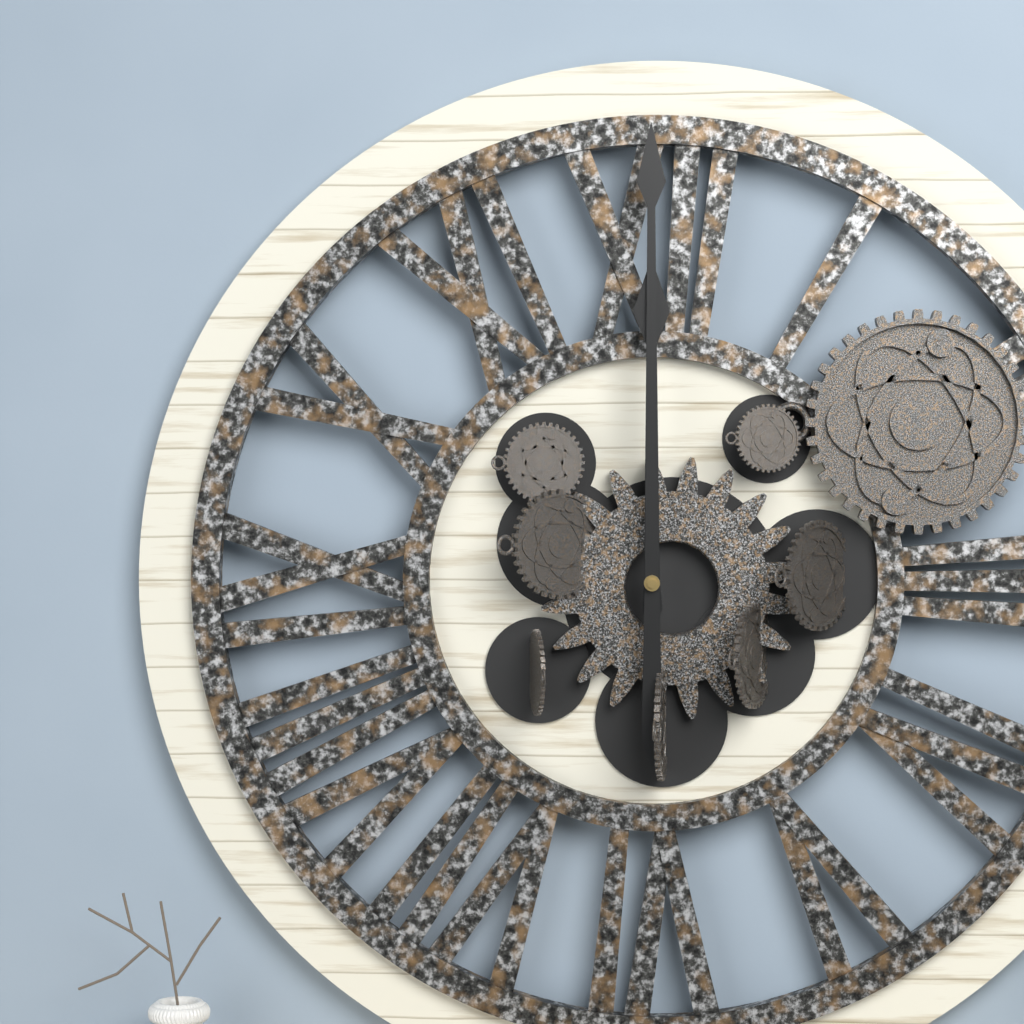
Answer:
{"hour": 12, "minute": 0}
